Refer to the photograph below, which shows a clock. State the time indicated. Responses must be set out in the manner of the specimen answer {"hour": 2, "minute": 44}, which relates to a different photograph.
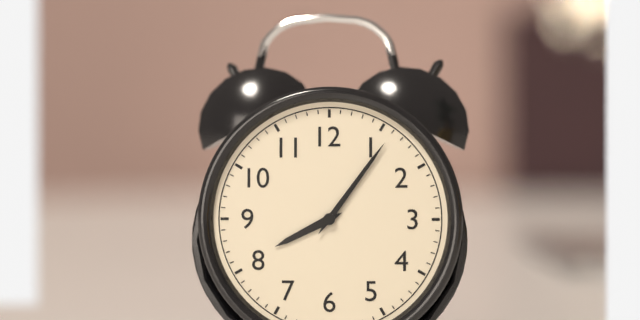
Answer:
{"hour": 8, "minute": 6}
